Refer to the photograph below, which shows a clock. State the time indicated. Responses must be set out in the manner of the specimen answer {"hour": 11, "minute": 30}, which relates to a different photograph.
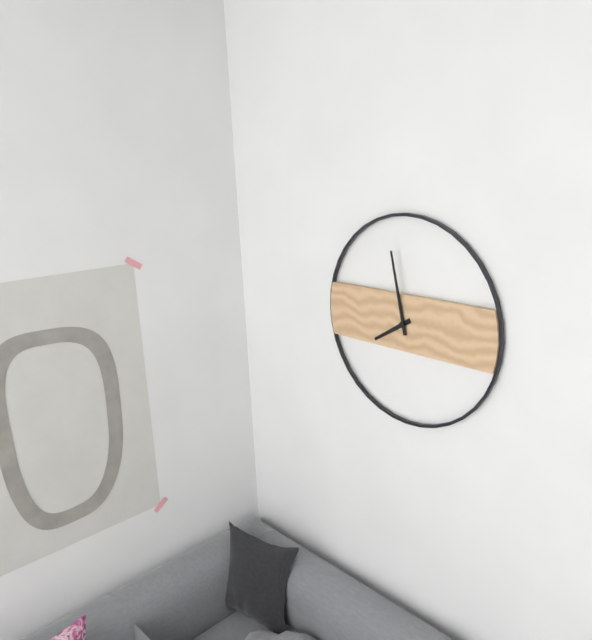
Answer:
{"hour": 7, "minute": 58}
